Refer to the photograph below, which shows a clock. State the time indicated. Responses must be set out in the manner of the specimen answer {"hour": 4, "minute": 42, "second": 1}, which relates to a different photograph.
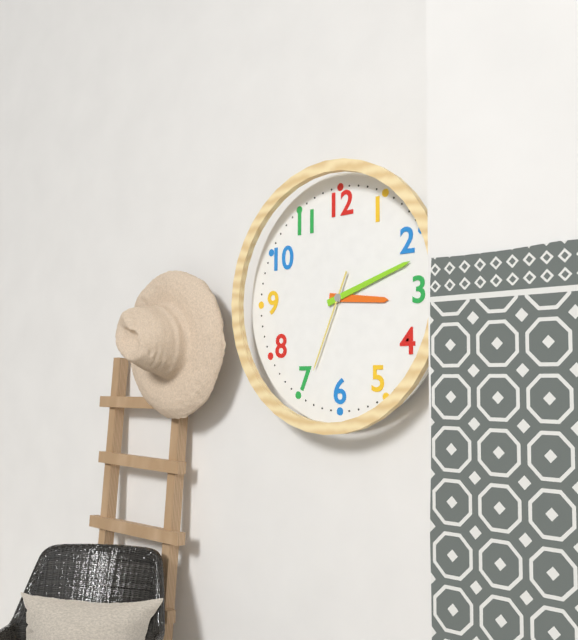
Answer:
{"hour": 3, "minute": 12, "second": 34}
